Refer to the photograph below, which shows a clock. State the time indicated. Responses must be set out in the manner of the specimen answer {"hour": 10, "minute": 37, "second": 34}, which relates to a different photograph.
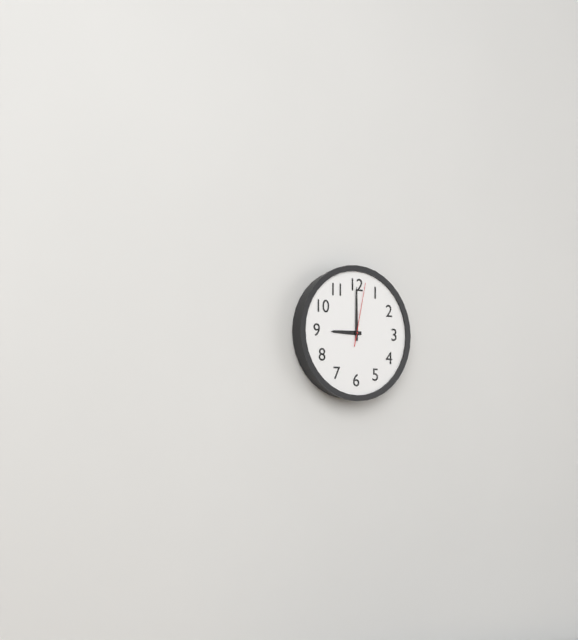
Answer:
{"hour": 9, "minute": 0, "second": 2}
